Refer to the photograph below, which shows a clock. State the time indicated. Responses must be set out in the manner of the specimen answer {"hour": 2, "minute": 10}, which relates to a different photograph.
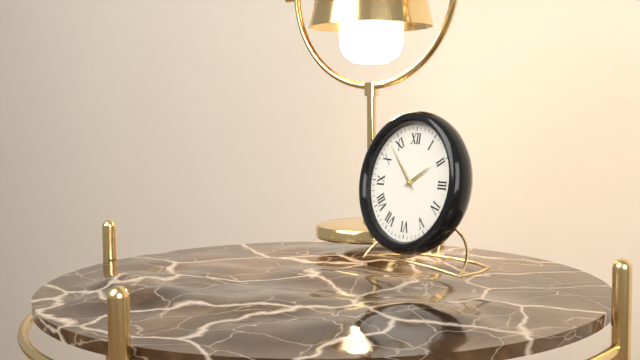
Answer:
{"hour": 1, "minute": 53}
